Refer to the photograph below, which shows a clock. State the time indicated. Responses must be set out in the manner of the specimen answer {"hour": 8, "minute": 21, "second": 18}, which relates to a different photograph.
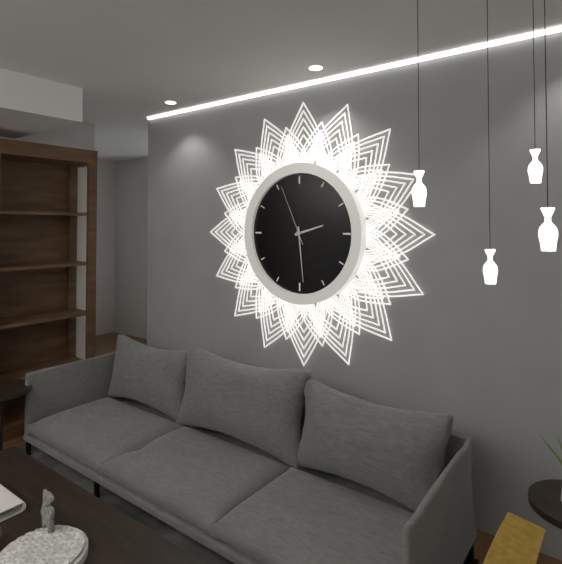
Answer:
{"hour": 2, "minute": 29, "second": 56}
